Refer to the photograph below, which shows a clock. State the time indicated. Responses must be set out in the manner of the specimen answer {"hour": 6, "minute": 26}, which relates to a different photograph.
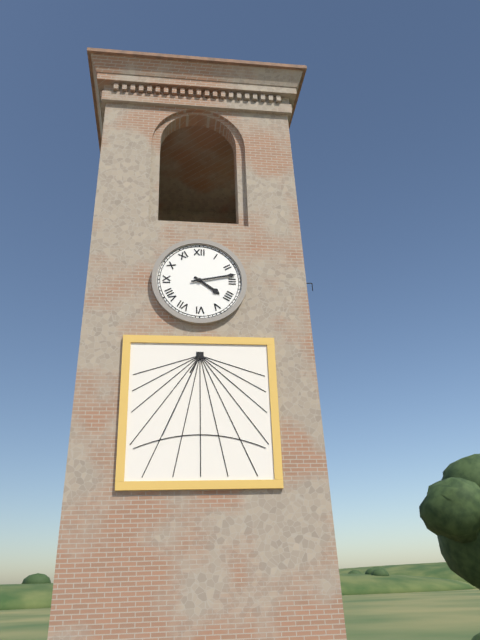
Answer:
{"hour": 4, "minute": 13}
